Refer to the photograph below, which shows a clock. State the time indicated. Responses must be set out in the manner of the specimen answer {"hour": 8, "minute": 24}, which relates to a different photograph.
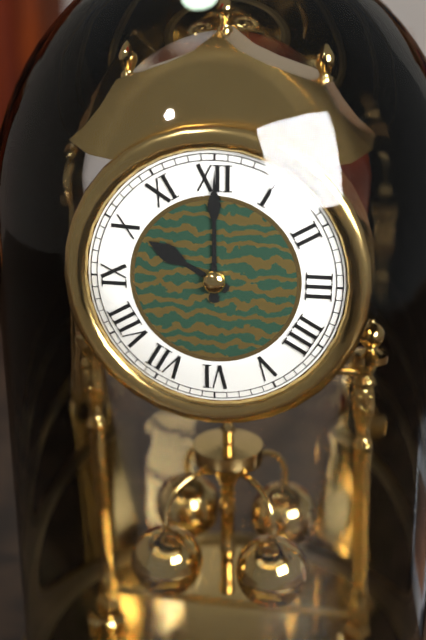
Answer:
{"hour": 10, "minute": 0}
